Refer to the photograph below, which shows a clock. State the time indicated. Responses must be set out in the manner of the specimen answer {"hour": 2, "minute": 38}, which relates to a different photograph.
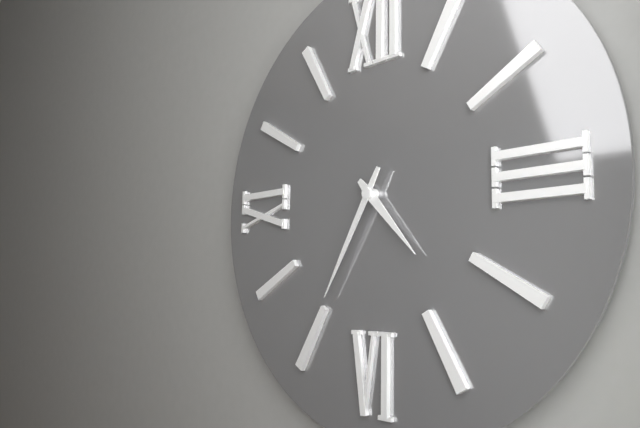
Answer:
{"hour": 4, "minute": 35}
